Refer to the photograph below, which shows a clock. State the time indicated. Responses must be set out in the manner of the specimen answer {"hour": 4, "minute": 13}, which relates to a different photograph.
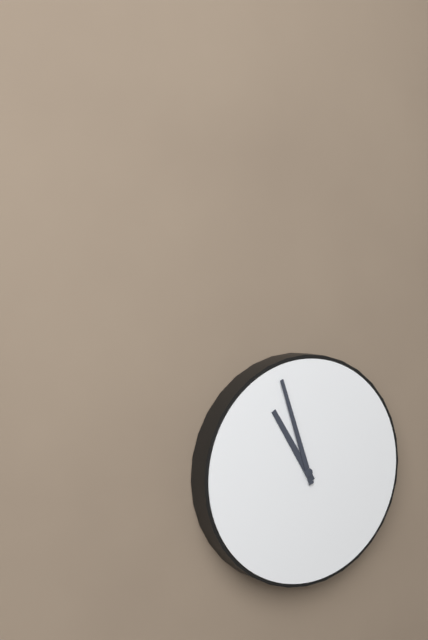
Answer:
{"hour": 10, "minute": 57}
